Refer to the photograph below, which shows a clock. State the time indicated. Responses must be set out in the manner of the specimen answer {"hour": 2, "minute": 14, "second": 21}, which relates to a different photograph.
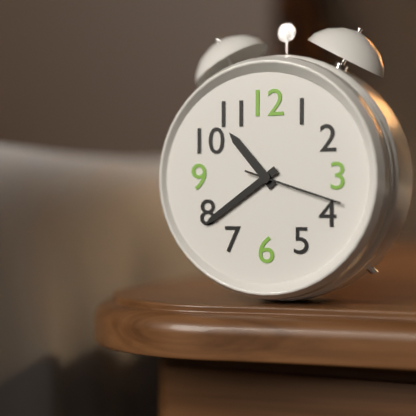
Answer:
{"hour": 10, "minute": 39, "second": 18}
